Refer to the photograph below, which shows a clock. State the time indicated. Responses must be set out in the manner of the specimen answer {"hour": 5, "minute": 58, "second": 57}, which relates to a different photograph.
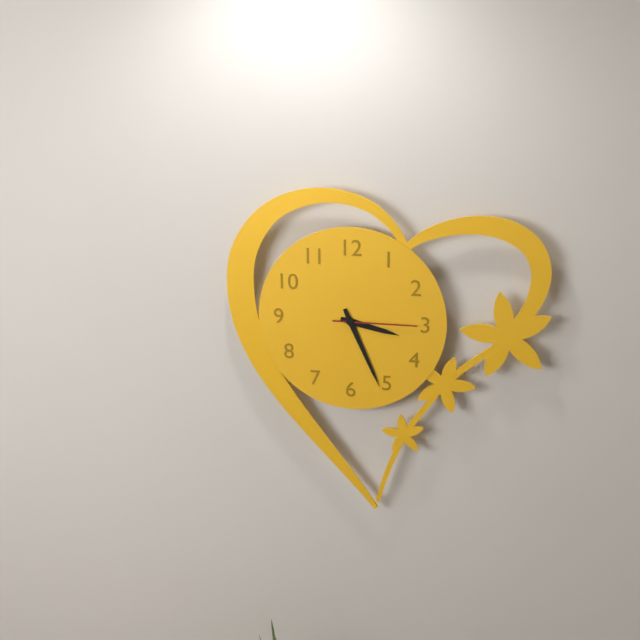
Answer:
{"hour": 3, "minute": 26, "second": 15}
